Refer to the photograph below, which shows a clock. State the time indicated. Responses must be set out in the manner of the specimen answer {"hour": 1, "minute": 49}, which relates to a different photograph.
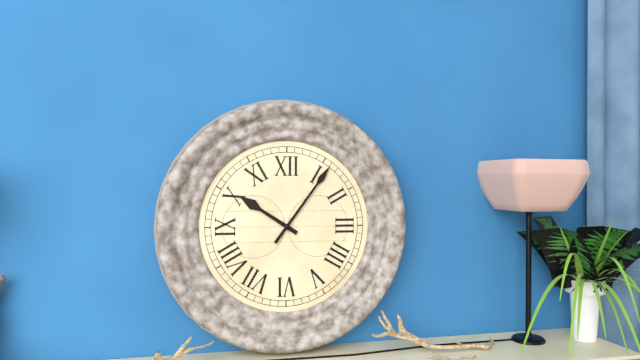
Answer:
{"hour": 10, "minute": 6}
